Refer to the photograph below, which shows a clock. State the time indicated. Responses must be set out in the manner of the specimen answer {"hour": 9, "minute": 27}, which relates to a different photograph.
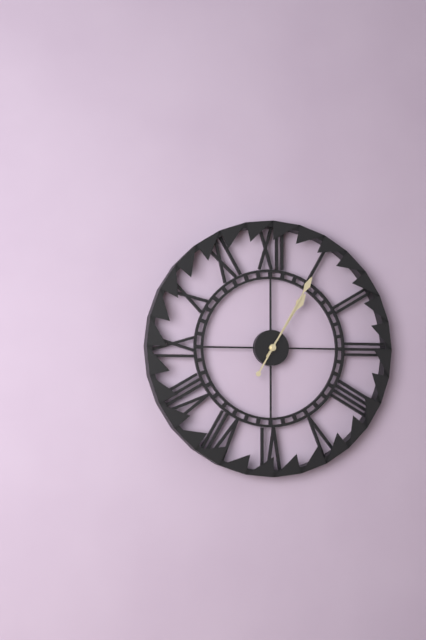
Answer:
{"hour": 1, "minute": 5}
